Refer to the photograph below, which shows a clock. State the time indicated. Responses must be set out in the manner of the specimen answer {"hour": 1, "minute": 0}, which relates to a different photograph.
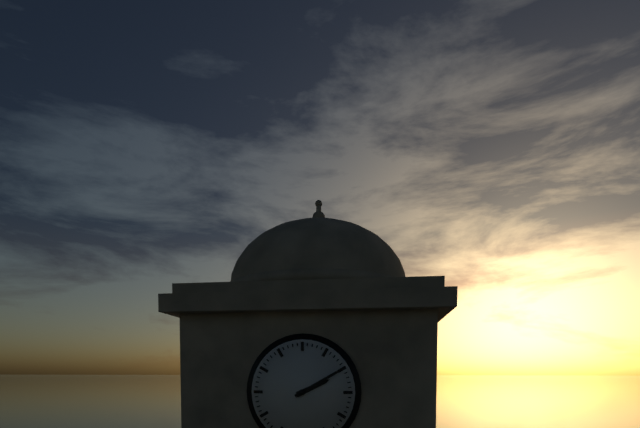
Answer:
{"hour": 2, "minute": 10}
